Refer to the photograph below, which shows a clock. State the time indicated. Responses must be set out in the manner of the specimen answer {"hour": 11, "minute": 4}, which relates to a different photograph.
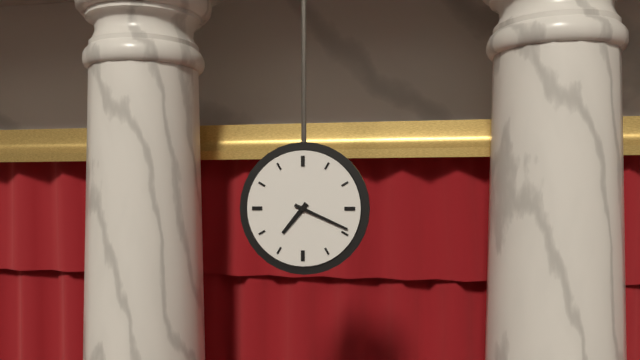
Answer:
{"hour": 7, "minute": 19}
